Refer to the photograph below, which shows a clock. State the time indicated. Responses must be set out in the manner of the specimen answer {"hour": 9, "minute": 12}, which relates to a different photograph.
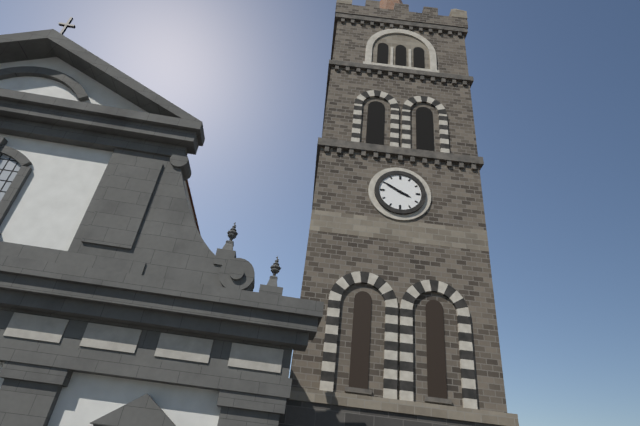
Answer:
{"hour": 3, "minute": 50}
